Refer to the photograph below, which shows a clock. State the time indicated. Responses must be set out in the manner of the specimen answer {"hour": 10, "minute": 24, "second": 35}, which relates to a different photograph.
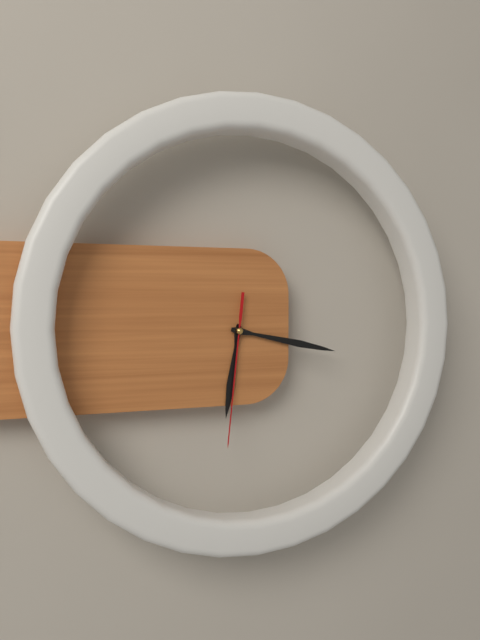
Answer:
{"hour": 6, "minute": 17, "second": 31}
